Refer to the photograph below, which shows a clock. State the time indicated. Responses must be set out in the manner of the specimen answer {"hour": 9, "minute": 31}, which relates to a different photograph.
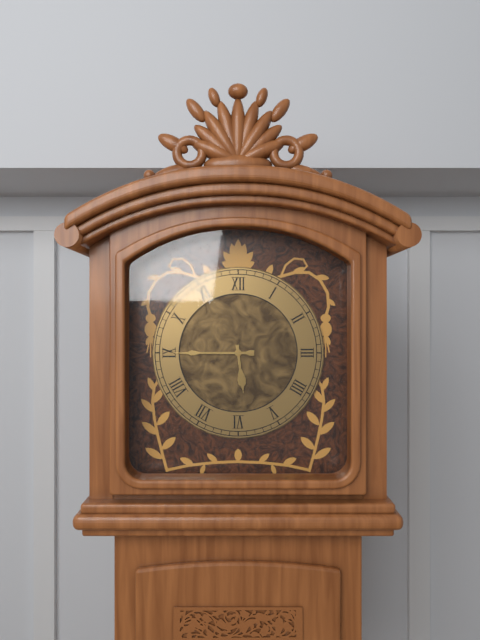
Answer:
{"hour": 5, "minute": 45}
